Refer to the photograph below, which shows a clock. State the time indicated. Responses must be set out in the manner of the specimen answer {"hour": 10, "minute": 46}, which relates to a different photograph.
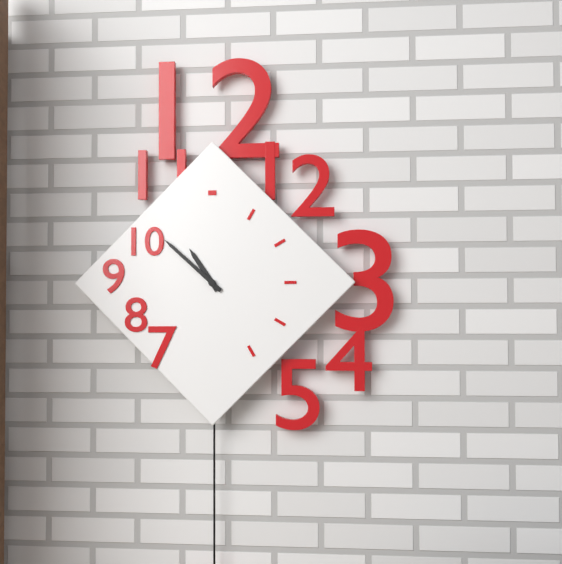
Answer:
{"hour": 10, "minute": 52}
